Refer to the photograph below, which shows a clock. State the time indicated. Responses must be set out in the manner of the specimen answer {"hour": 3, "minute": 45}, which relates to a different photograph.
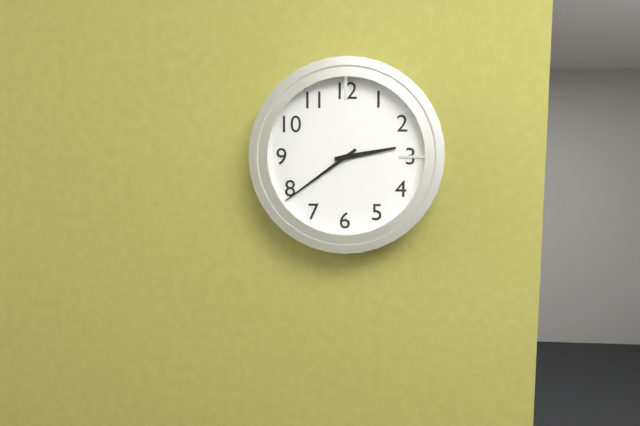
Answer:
{"hour": 2, "minute": 39}
